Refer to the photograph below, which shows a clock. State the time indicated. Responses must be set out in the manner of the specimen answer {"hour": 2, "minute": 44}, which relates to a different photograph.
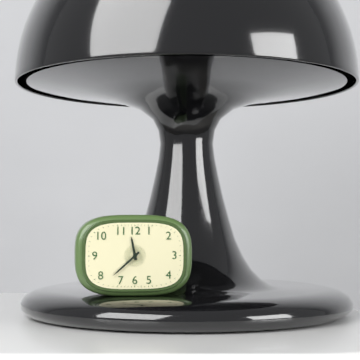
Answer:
{"hour": 11, "minute": 38}
